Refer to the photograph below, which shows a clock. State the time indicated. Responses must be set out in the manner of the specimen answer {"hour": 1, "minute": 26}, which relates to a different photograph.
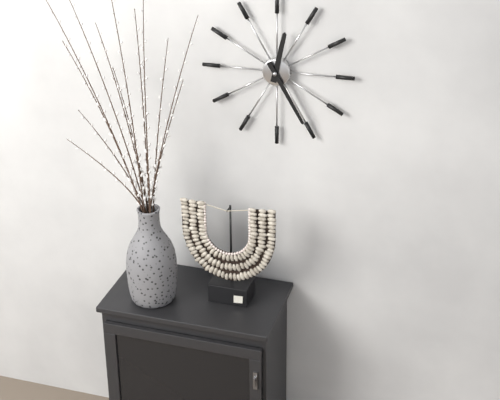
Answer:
{"hour": 12, "minute": 25}
